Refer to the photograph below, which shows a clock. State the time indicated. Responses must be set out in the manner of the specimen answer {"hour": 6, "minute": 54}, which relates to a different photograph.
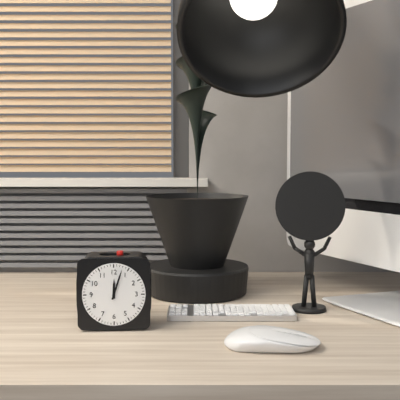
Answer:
{"hour": 12, "minute": 3}
